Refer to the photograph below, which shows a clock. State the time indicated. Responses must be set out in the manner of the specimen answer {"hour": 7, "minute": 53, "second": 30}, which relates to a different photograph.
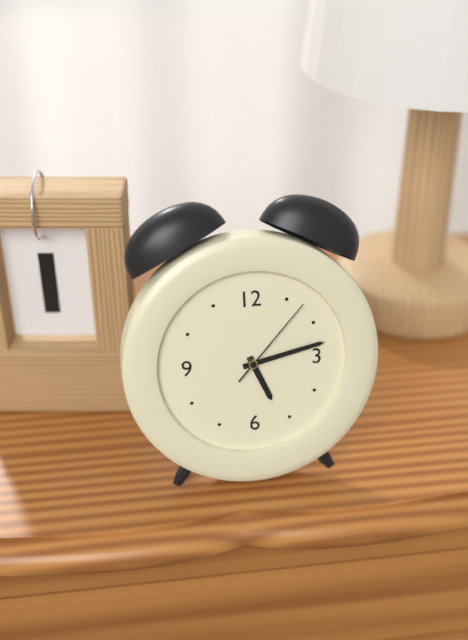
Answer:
{"hour": 5, "minute": 13, "second": 7}
